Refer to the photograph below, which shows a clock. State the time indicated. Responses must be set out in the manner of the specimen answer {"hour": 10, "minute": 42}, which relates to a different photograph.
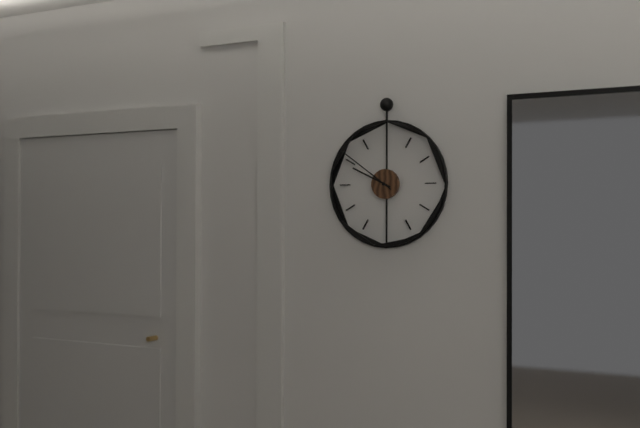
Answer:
{"hour": 9, "minute": 51}
